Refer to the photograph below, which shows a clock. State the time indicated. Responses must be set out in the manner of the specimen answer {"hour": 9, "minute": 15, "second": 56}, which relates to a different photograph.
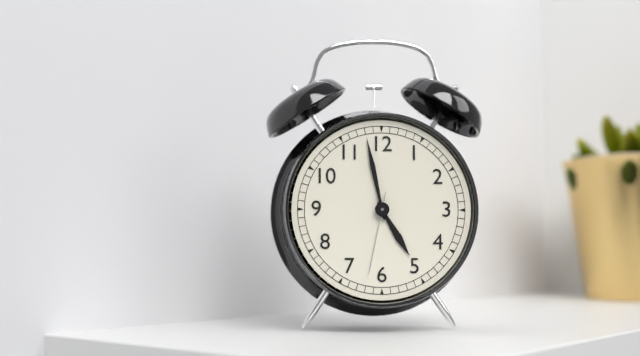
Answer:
{"hour": 4, "minute": 58, "second": 32}
